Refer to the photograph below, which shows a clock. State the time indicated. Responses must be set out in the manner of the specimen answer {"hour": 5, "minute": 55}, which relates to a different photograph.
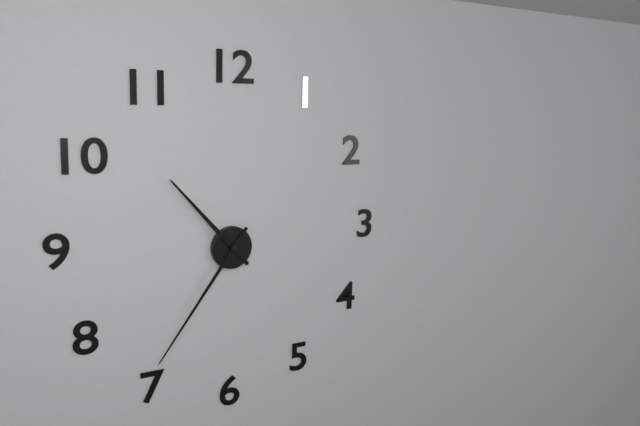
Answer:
{"hour": 10, "minute": 36}
